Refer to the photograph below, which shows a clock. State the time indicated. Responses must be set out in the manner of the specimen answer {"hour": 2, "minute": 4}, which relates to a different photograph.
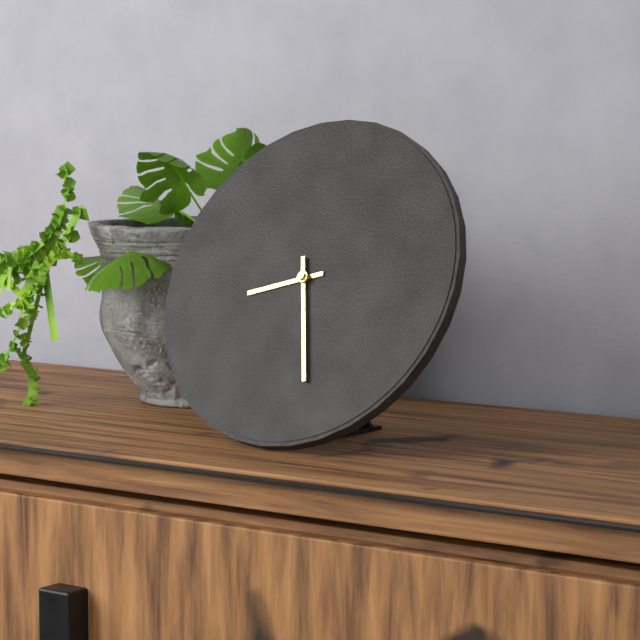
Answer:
{"hour": 8, "minute": 27}
